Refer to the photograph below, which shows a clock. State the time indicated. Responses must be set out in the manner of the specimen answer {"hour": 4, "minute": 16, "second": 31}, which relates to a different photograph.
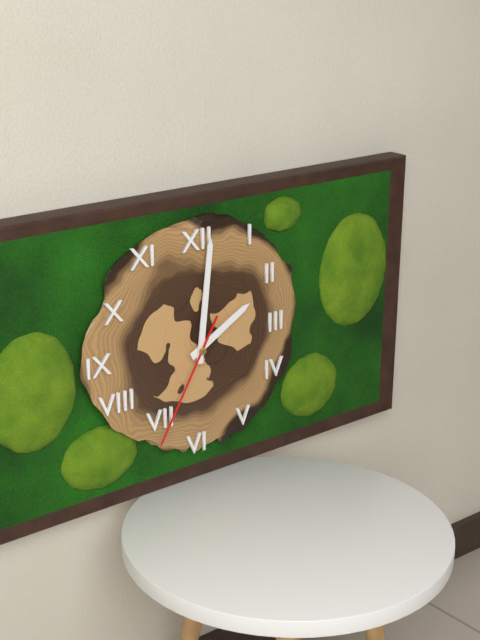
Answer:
{"hour": 2, "minute": 1, "second": 35}
